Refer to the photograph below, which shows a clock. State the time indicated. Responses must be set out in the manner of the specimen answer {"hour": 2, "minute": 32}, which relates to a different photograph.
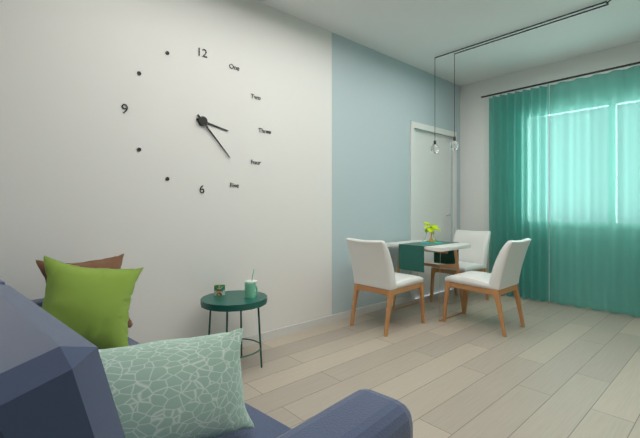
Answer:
{"hour": 3, "minute": 23}
